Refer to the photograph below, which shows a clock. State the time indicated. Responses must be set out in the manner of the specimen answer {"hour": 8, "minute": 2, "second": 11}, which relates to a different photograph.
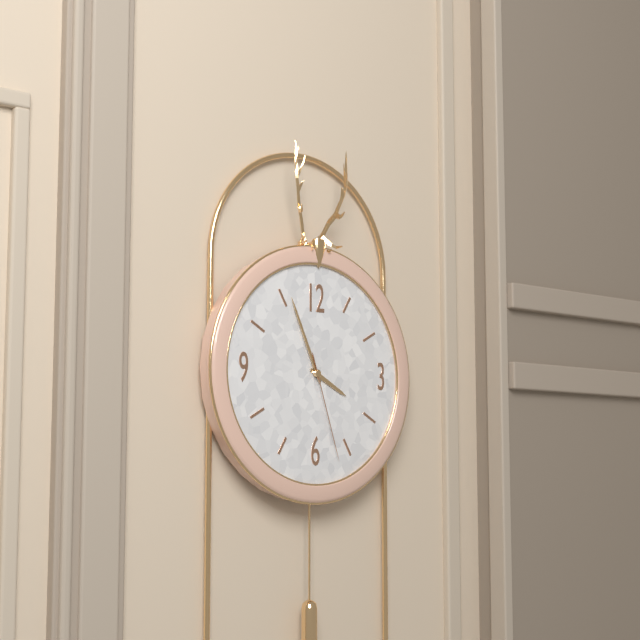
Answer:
{"hour": 3, "minute": 56, "second": 27}
